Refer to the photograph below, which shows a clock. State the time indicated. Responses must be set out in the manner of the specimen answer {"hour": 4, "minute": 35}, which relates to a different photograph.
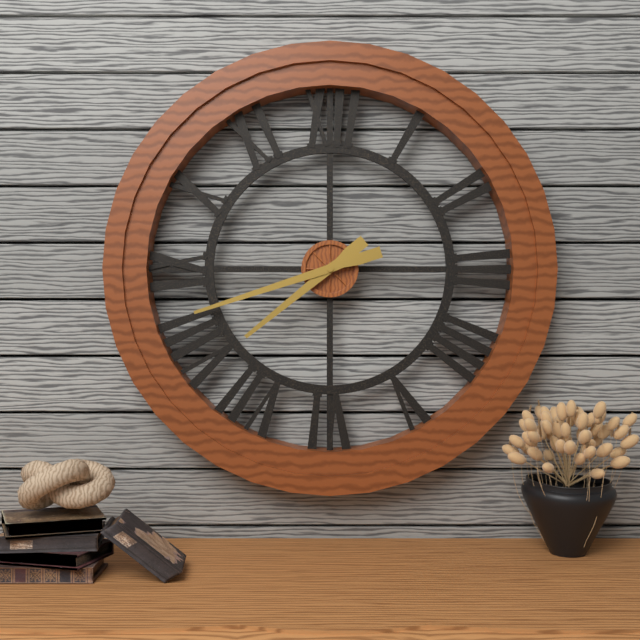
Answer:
{"hour": 7, "minute": 42}
